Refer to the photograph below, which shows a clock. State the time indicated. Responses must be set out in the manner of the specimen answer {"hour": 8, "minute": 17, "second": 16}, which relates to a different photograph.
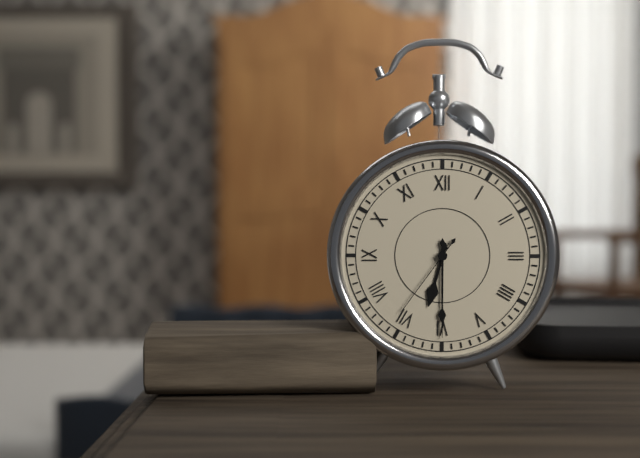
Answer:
{"hour": 6, "minute": 30, "second": 36}
